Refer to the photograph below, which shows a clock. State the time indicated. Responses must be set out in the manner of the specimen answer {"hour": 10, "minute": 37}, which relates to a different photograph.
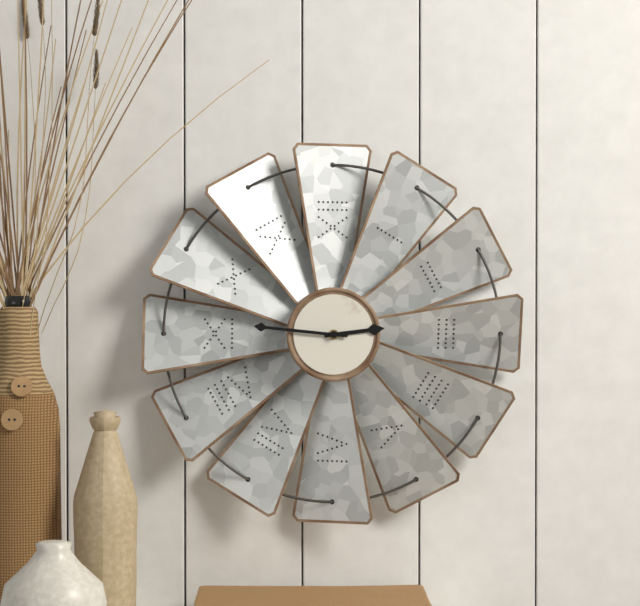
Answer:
{"hour": 2, "minute": 46}
